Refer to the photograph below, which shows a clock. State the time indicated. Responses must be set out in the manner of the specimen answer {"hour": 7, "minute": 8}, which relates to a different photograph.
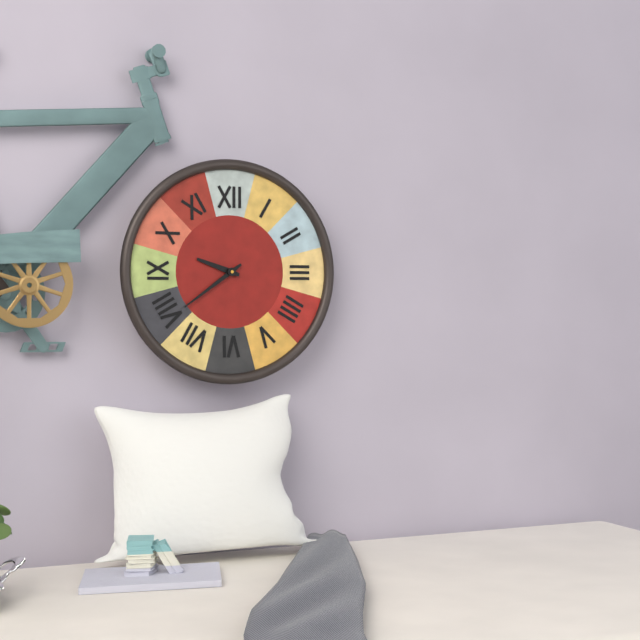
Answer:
{"hour": 9, "minute": 39}
